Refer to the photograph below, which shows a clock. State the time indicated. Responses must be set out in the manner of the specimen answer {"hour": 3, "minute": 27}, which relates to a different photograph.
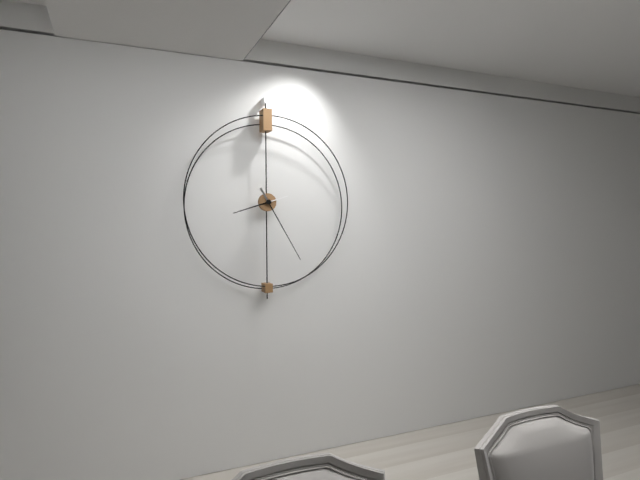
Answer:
{"hour": 8, "minute": 25}
